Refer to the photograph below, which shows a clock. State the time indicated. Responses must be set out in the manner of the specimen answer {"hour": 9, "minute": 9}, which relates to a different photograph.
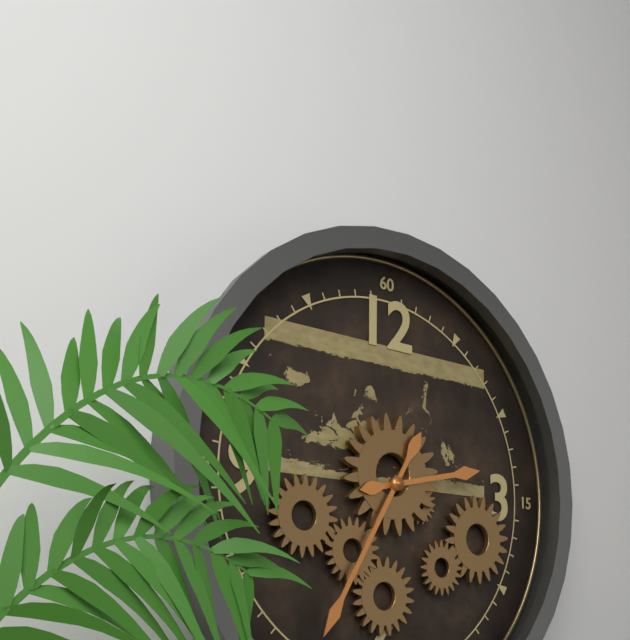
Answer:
{"hour": 2, "minute": 35}
